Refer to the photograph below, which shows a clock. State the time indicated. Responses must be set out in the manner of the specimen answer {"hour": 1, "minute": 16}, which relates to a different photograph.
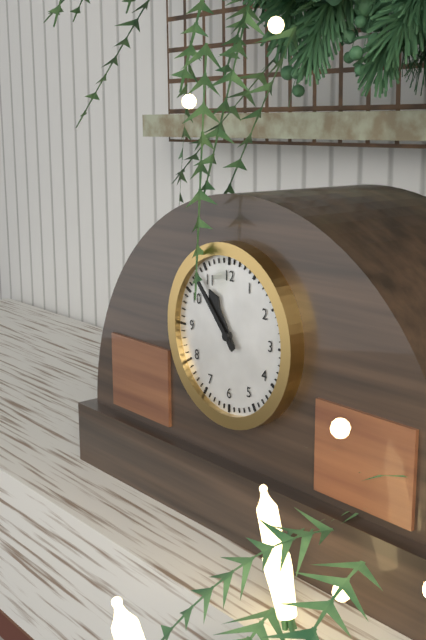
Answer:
{"hour": 10, "minute": 53}
